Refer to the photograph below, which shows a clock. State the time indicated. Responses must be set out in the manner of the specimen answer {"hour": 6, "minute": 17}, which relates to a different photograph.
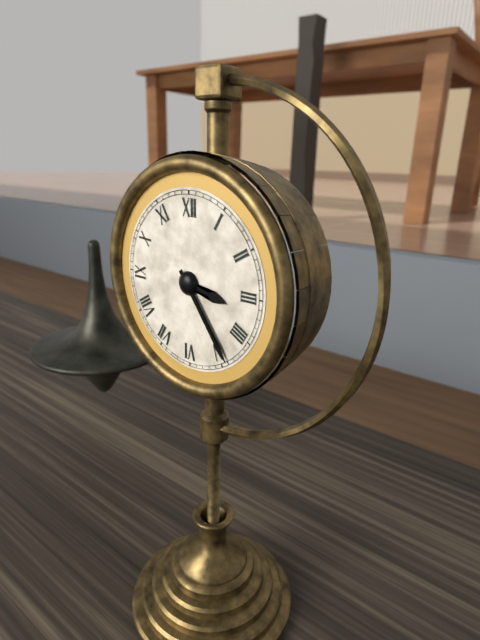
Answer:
{"hour": 3, "minute": 24}
